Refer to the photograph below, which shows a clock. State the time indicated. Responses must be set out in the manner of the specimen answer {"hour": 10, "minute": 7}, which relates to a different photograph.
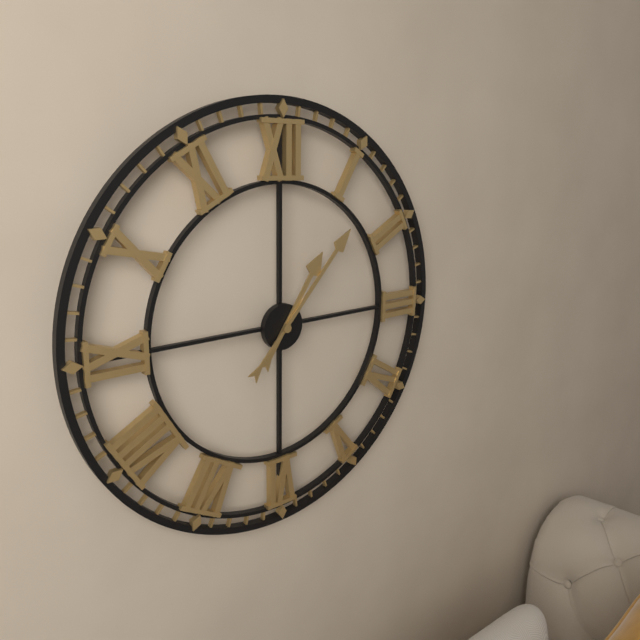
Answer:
{"hour": 1, "minute": 7}
